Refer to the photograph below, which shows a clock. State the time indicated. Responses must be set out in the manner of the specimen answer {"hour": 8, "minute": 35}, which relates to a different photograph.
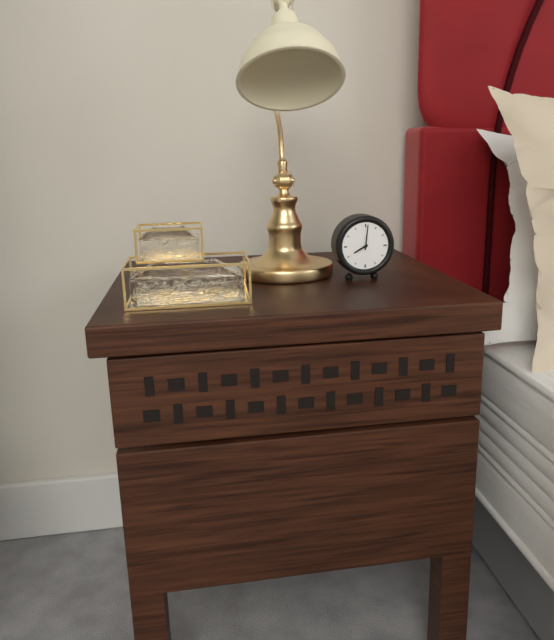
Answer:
{"hour": 8, "minute": 1}
